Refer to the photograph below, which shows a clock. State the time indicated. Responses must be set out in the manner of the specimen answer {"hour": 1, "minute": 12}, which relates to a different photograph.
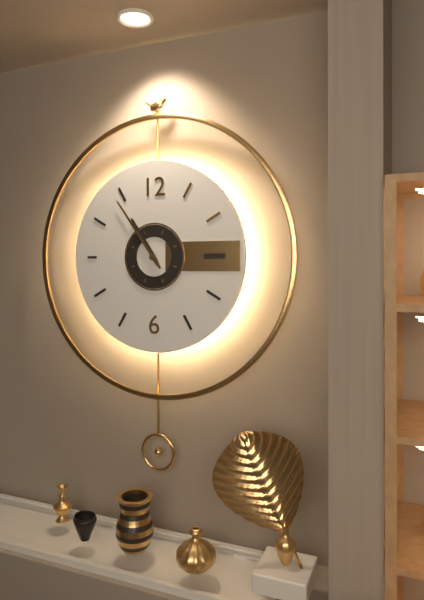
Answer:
{"hour": 10, "minute": 54}
